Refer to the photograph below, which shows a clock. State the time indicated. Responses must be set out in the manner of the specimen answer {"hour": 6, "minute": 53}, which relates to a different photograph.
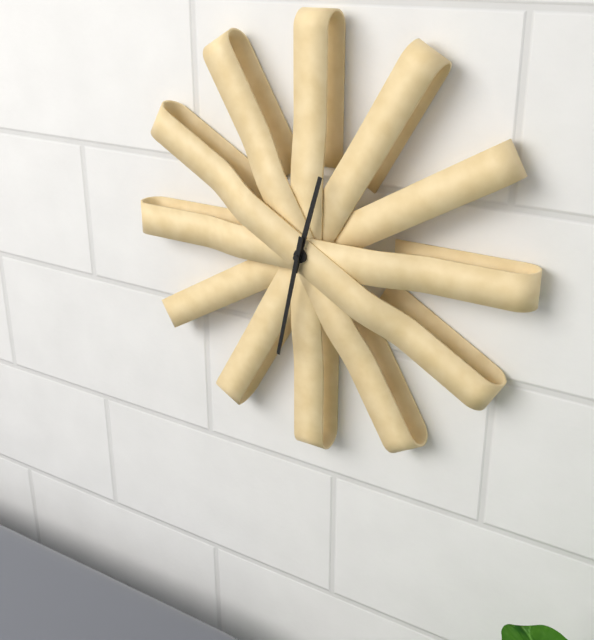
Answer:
{"hour": 12, "minute": 32}
